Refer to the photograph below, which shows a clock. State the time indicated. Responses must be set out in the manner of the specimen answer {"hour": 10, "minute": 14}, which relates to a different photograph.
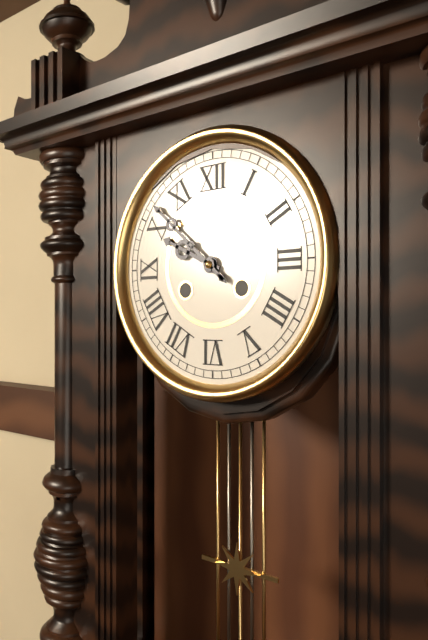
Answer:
{"hour": 9, "minute": 52}
